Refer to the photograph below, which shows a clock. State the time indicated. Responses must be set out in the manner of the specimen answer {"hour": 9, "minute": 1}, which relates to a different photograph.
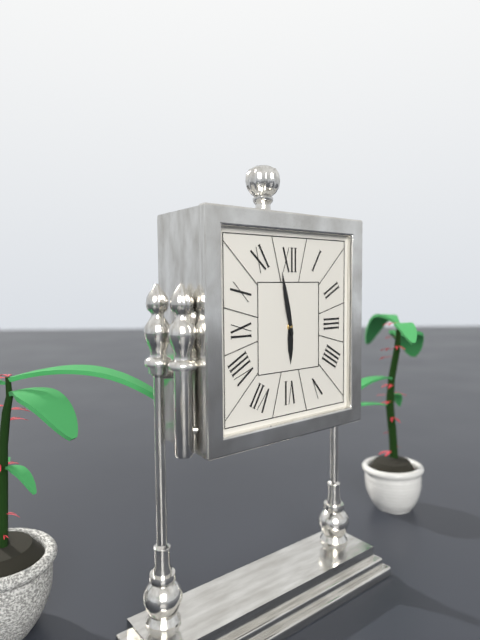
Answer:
{"hour": 5, "minute": 58}
